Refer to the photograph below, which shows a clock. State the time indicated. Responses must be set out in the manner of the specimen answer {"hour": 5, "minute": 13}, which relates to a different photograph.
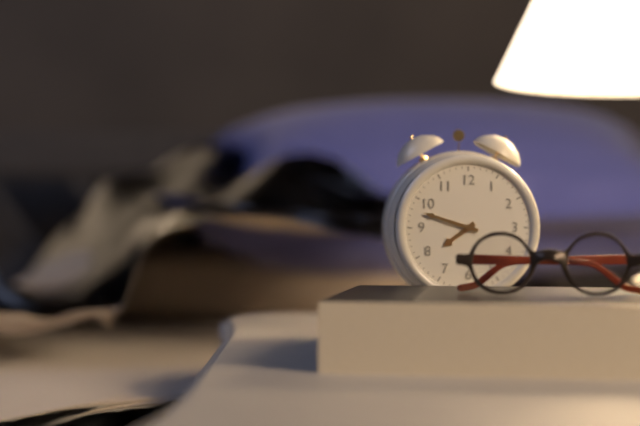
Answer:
{"hour": 7, "minute": 48}
